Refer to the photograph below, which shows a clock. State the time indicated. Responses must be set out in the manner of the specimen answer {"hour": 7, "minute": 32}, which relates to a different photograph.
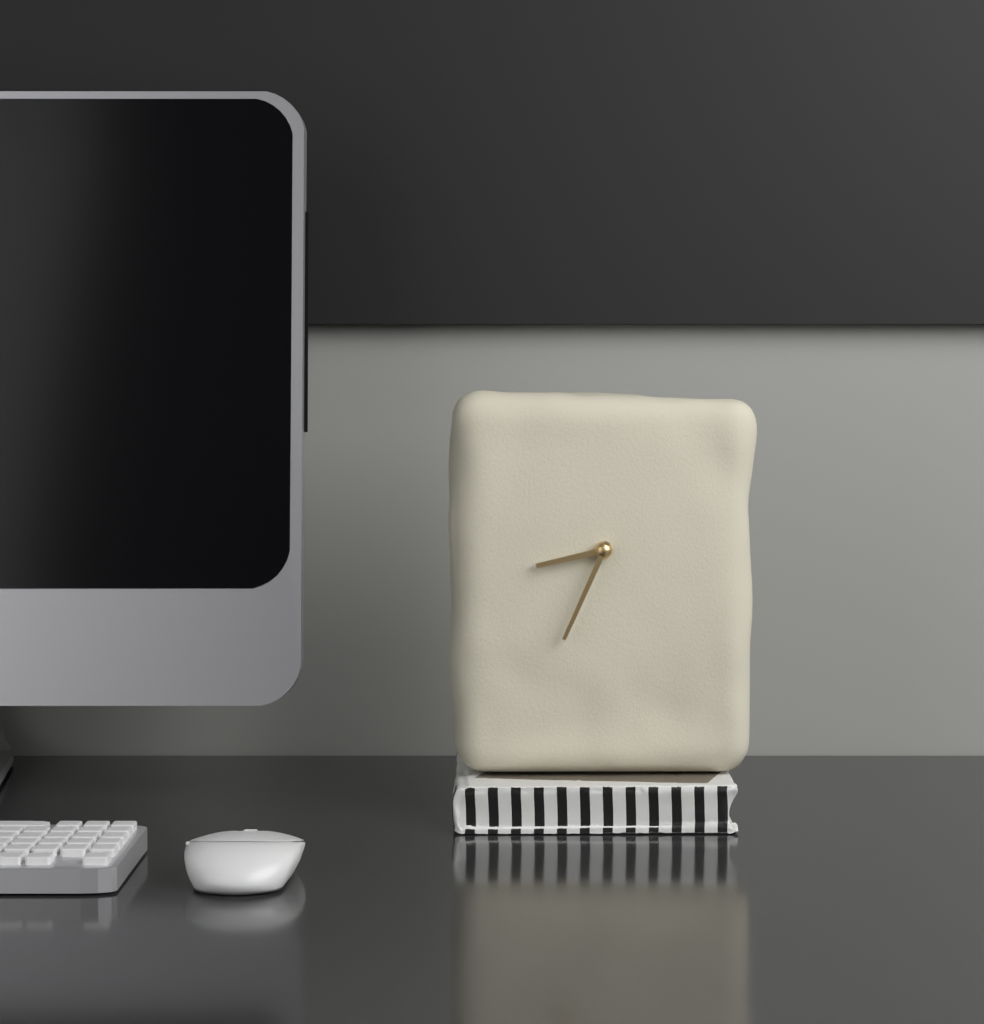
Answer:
{"hour": 8, "minute": 34}
